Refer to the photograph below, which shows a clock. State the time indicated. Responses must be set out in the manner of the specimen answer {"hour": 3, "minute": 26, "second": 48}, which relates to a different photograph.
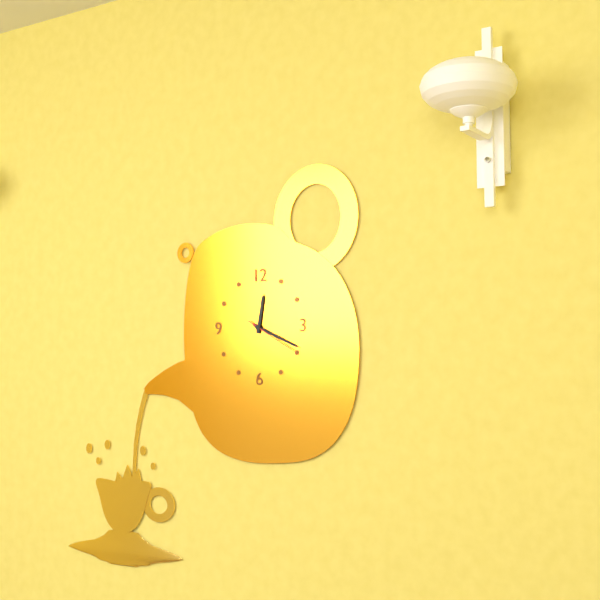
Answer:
{"hour": 12, "minute": 19, "second": 20}
